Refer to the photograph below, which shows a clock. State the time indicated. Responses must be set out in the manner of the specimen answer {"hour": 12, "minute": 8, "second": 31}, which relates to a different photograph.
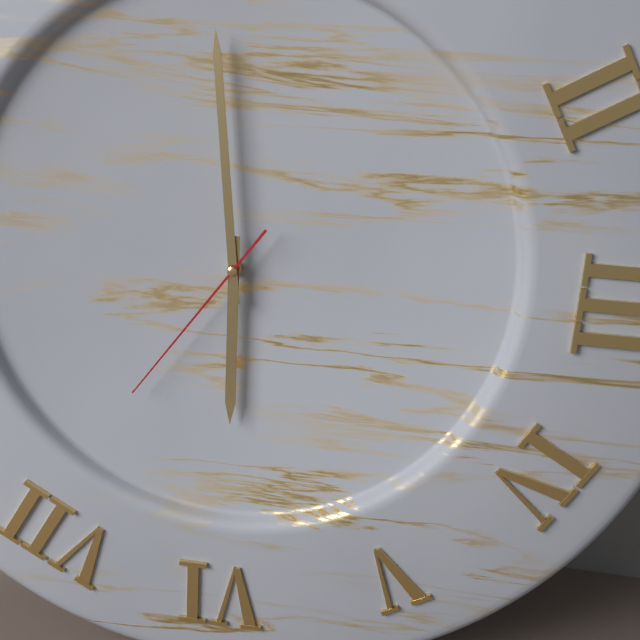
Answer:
{"hour": 5, "minute": 59, "second": 36}
